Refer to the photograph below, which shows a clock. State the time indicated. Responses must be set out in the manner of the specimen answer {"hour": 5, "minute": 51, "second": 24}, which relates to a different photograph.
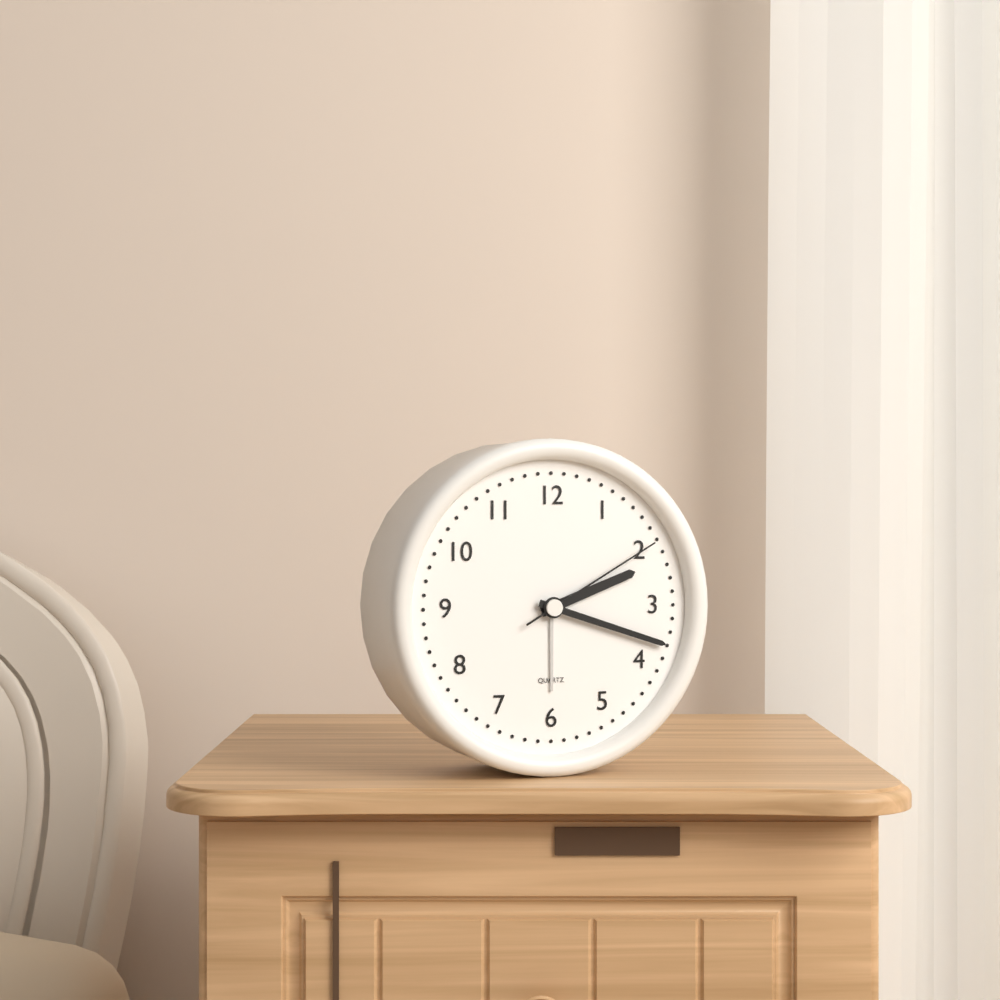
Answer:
{"hour": 2, "minute": 18, "second": 10}
